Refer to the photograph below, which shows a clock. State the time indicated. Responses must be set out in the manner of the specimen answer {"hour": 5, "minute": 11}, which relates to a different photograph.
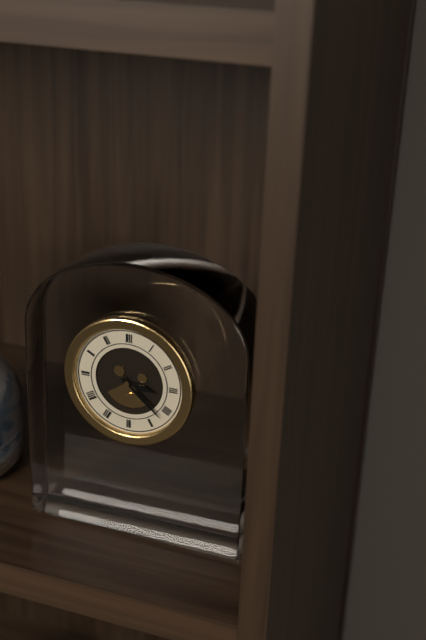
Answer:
{"hour": 3, "minute": 22}
